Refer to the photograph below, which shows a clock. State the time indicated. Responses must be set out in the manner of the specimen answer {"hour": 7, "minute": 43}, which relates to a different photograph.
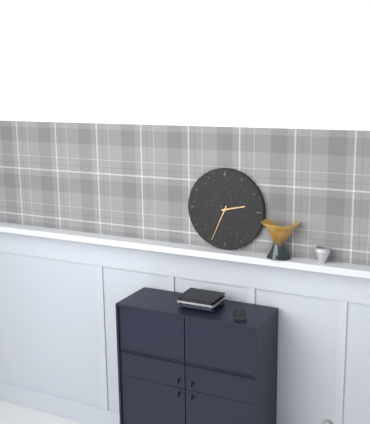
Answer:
{"hour": 2, "minute": 34}
